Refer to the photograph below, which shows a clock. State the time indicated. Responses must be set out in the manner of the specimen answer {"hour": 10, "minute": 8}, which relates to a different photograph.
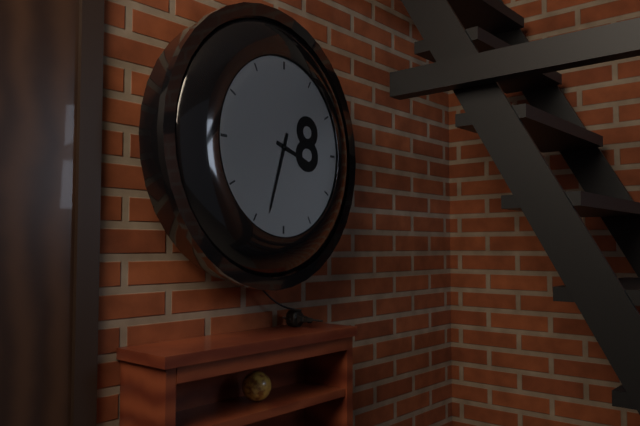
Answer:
{"hour": 3, "minute": 33}
